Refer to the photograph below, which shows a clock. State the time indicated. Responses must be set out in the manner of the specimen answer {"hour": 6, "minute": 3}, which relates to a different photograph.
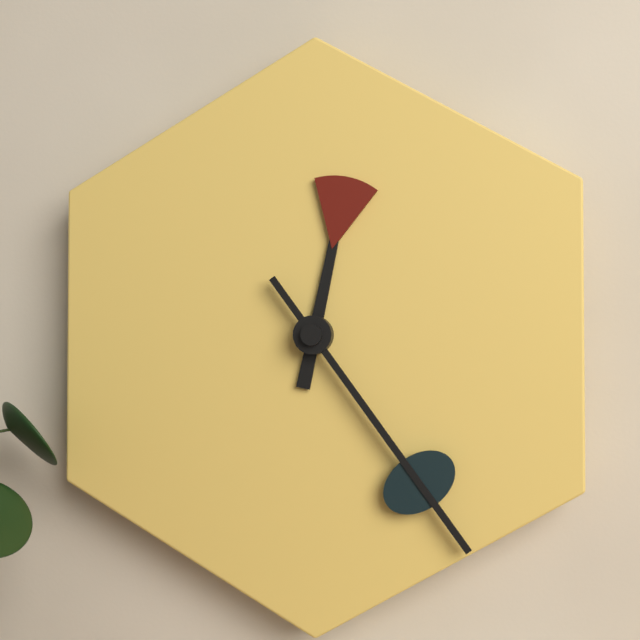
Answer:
{"hour": 12, "minute": 24}
